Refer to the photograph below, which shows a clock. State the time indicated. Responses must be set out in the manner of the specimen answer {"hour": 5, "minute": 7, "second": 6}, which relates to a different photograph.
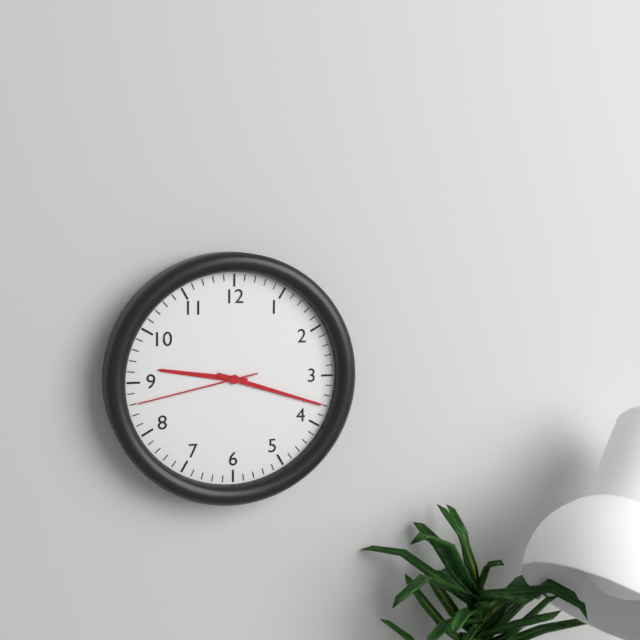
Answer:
{"hour": 9, "minute": 18, "second": 43}
